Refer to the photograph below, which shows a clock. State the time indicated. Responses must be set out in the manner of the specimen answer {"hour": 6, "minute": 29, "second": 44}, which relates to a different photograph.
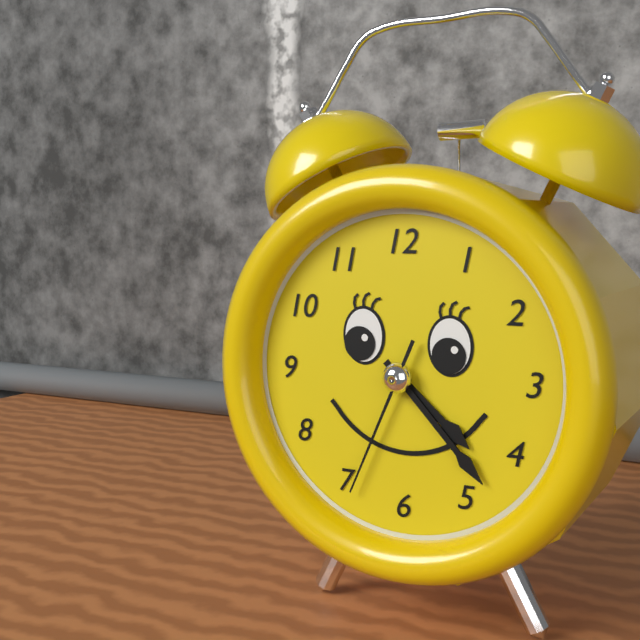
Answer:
{"hour": 4, "minute": 23, "second": 34}
